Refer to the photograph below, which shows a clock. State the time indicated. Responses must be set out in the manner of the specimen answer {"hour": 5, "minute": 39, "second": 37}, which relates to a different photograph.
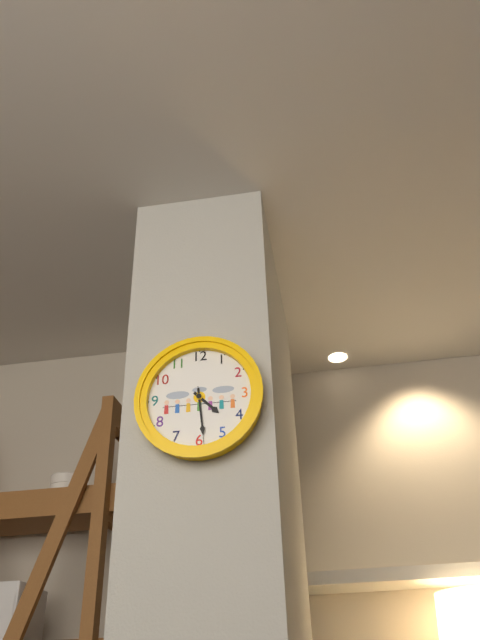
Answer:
{"hour": 4, "minute": 29, "second": 29}
